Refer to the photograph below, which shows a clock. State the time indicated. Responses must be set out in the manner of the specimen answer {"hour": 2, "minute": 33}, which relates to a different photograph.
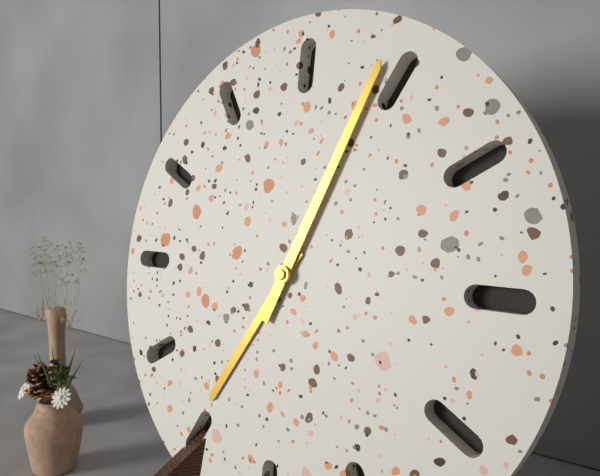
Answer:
{"hour": 7, "minute": 4}
